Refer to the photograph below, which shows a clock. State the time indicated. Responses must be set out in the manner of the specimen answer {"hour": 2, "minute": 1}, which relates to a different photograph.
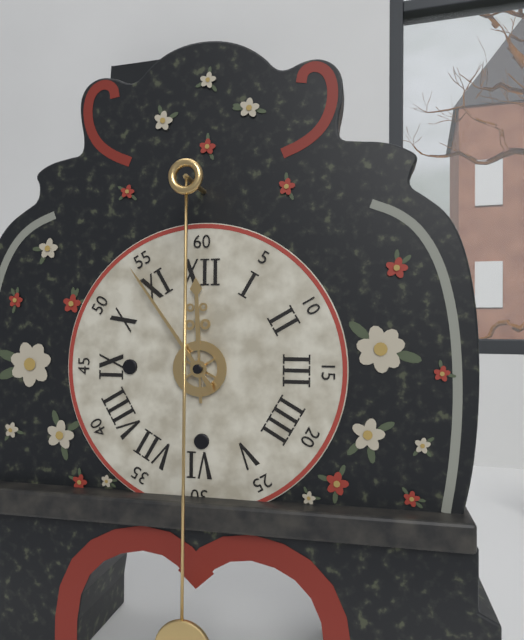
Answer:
{"hour": 11, "minute": 54}
